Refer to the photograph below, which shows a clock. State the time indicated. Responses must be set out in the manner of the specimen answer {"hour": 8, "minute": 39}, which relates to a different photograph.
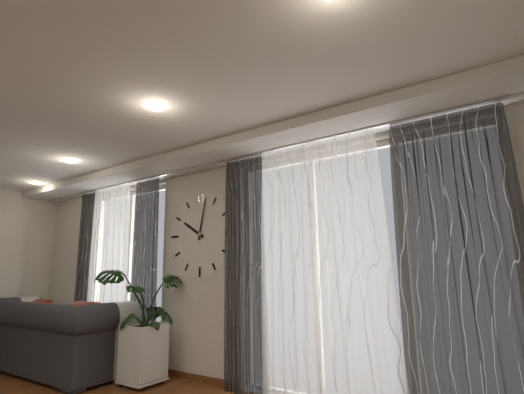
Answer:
{"hour": 10, "minute": 2}
